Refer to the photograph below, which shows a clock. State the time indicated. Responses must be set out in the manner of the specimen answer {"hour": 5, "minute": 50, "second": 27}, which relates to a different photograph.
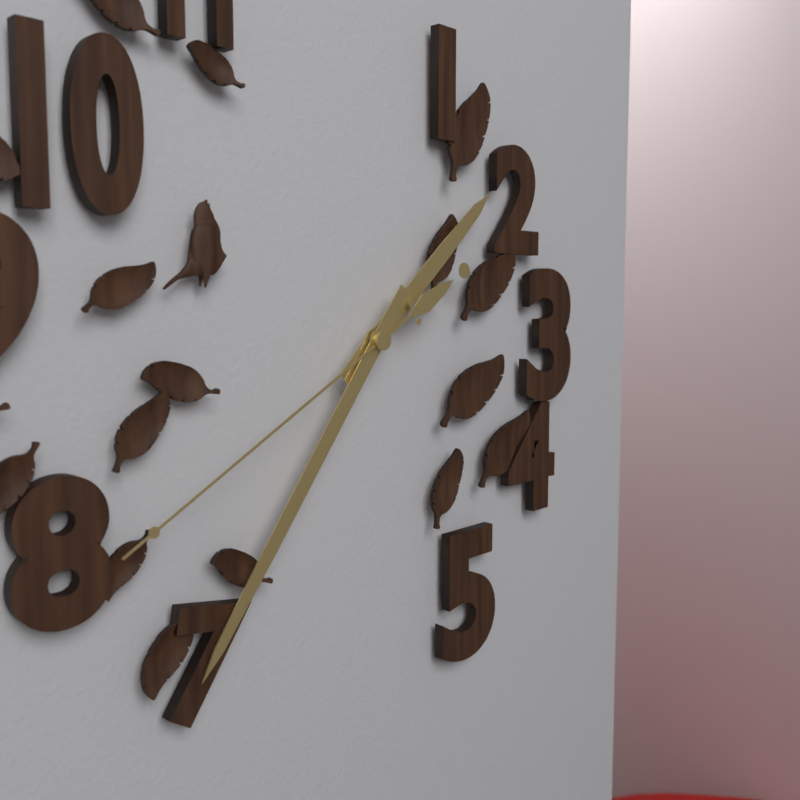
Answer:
{"hour": 1, "minute": 36, "second": 40}
